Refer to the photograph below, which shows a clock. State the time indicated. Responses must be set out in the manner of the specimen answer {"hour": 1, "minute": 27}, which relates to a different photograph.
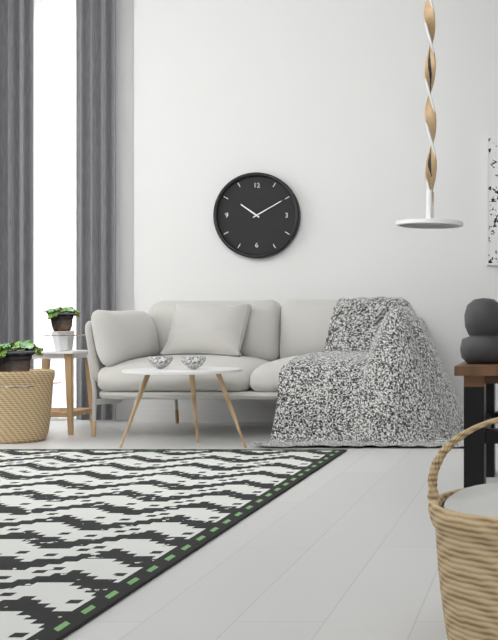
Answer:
{"hour": 10, "minute": 10}
